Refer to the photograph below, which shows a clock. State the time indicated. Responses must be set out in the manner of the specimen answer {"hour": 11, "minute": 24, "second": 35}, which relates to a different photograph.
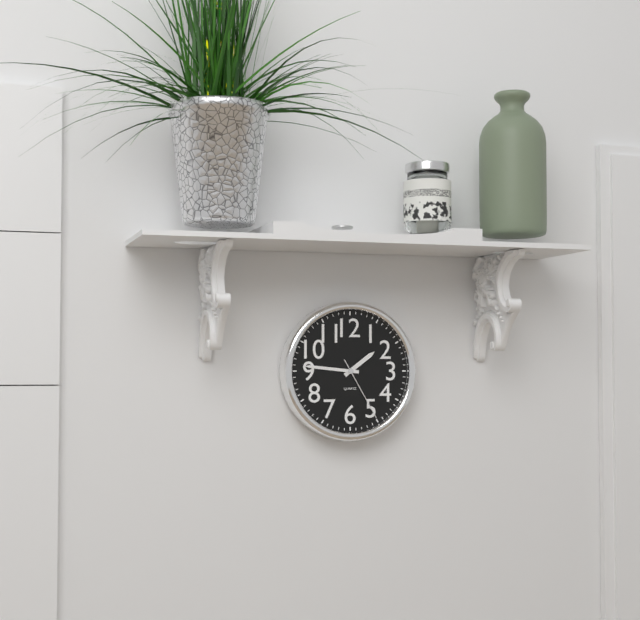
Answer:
{"hour": 1, "minute": 46, "second": 25}
